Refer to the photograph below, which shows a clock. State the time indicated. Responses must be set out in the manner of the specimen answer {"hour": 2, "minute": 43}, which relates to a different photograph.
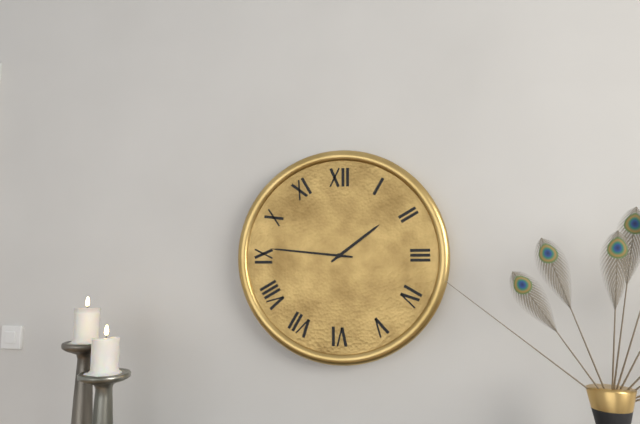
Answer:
{"hour": 1, "minute": 46}
